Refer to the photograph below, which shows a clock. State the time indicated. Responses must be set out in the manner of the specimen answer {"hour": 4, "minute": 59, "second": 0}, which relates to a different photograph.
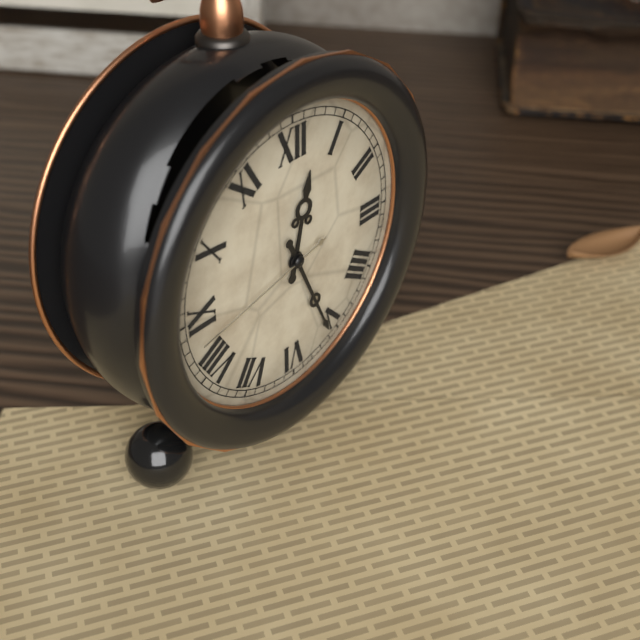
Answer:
{"hour": 12, "minute": 26, "second": 43}
